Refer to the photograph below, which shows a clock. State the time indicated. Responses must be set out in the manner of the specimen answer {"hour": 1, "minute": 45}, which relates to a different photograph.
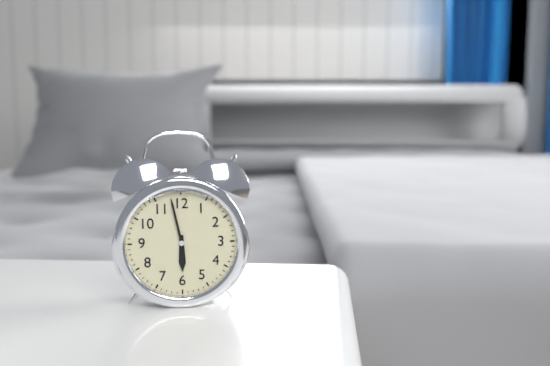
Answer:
{"hour": 5, "minute": 58}
